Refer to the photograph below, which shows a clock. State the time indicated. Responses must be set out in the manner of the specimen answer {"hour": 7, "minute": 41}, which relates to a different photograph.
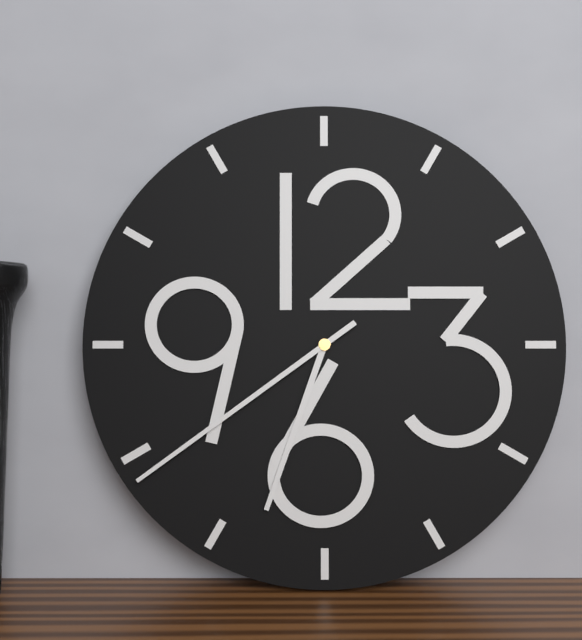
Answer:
{"hour": 6, "minute": 39}
